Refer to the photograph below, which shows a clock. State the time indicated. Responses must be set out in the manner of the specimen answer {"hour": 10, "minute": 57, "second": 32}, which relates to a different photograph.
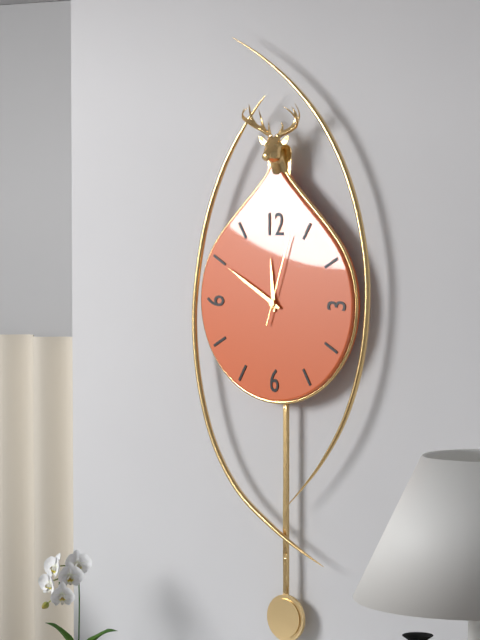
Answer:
{"hour": 11, "minute": 50, "second": 3}
